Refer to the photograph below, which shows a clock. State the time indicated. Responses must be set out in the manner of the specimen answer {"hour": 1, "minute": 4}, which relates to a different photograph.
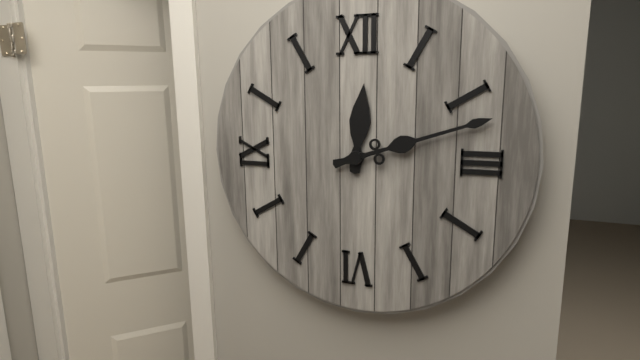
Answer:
{"hour": 12, "minute": 12}
